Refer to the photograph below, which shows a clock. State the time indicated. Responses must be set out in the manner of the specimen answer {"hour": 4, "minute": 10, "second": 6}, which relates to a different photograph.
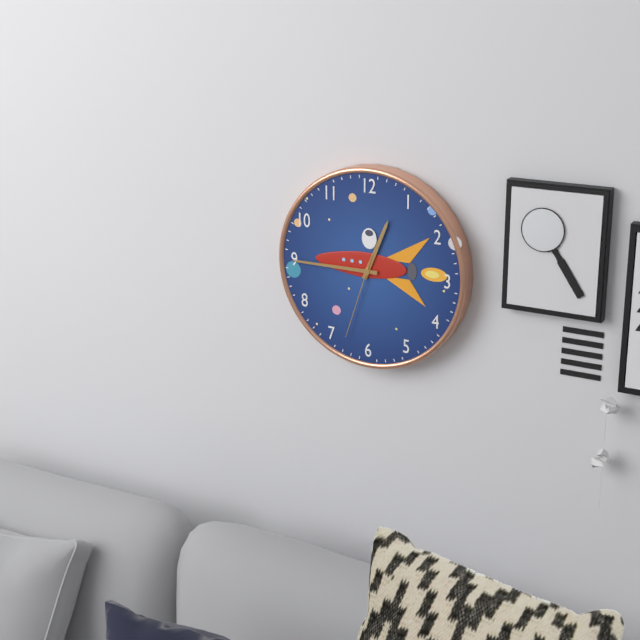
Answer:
{"hour": 12, "minute": 45, "second": 33}
